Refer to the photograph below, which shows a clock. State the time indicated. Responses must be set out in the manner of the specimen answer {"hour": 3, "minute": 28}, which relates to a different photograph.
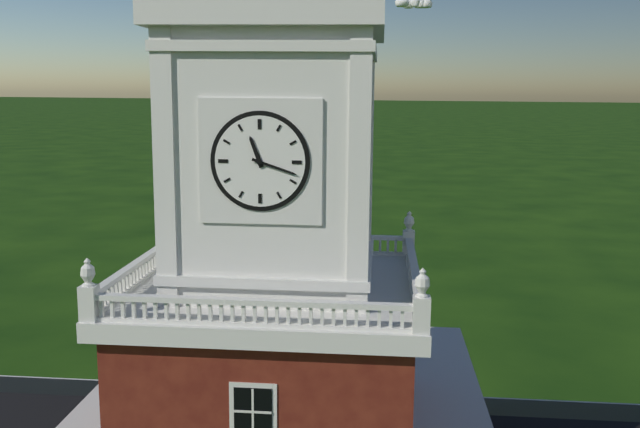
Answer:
{"hour": 11, "minute": 18}
